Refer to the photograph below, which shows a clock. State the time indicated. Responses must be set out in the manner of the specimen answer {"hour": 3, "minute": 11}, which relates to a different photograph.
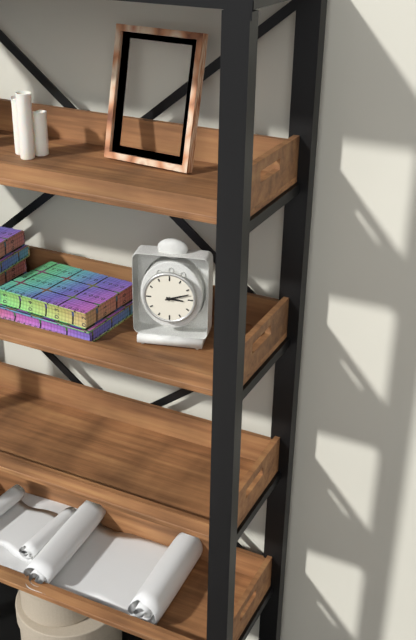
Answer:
{"hour": 3, "minute": 12}
